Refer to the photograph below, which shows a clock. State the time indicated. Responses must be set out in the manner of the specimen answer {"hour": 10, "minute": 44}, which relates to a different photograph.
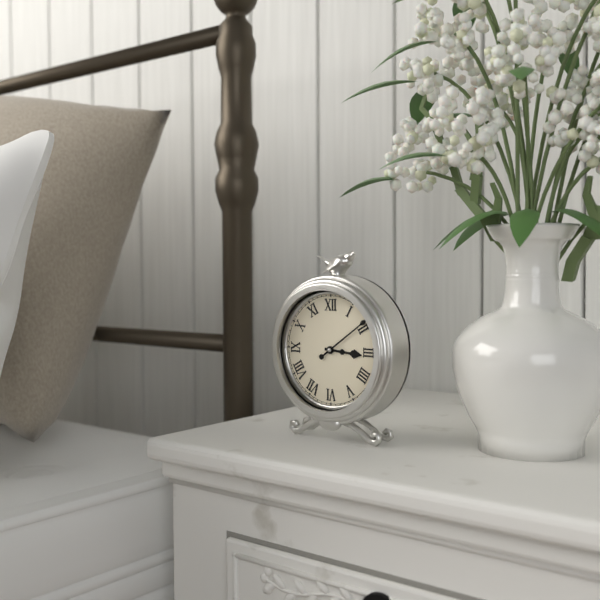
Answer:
{"hour": 3, "minute": 9}
